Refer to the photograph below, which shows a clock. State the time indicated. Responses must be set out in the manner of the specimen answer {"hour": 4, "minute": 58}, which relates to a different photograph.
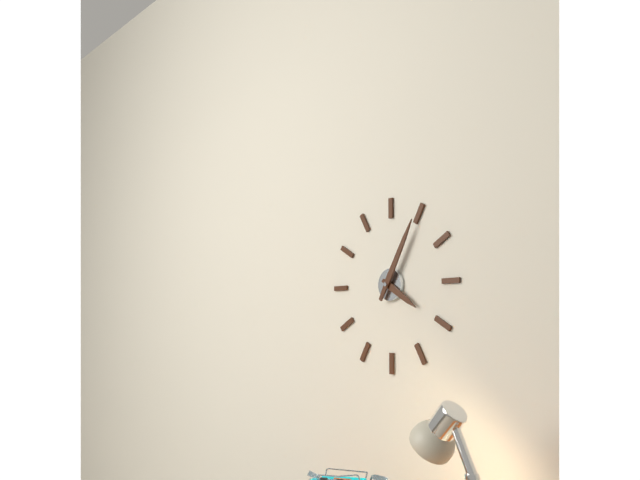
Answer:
{"hour": 4, "minute": 5}
